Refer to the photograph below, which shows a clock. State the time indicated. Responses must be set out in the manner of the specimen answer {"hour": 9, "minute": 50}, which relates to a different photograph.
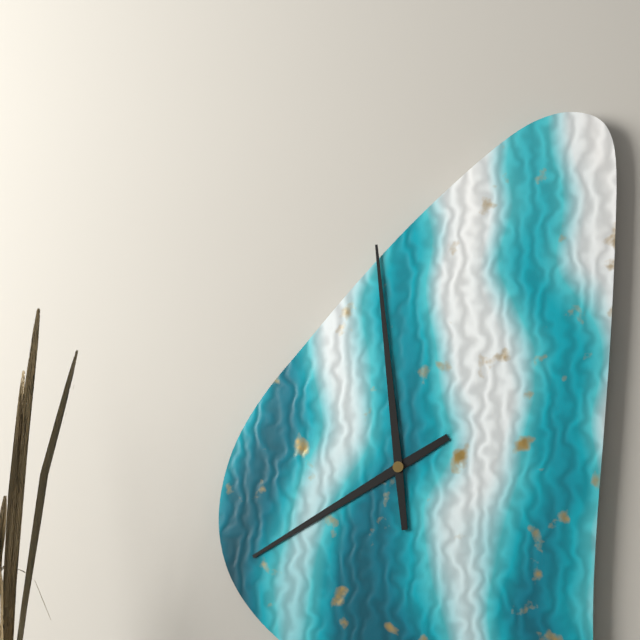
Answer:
{"hour": 7, "minute": 59}
